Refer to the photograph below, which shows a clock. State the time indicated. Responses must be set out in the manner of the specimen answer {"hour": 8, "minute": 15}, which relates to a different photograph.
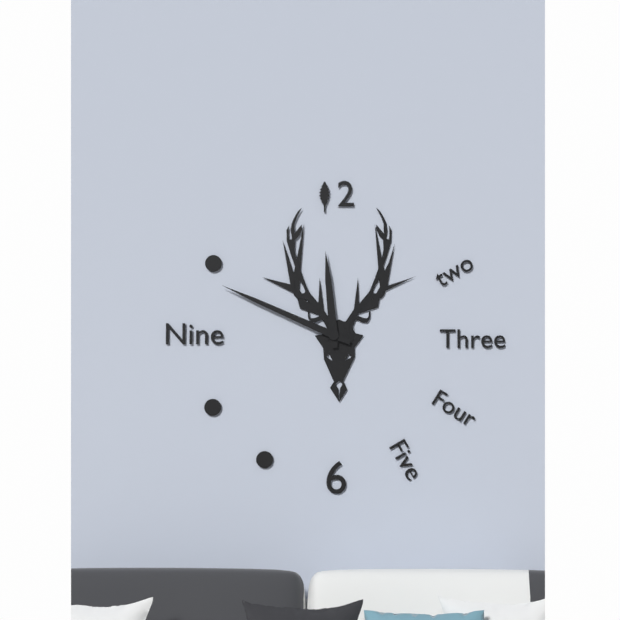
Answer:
{"hour": 11, "minute": 49}
